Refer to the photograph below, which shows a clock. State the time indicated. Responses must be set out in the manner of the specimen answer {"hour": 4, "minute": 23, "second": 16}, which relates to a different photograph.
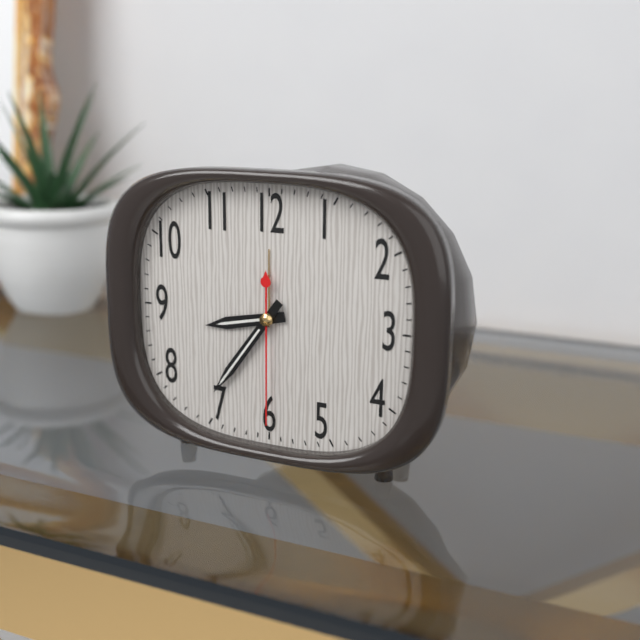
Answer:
{"hour": 8, "minute": 36, "second": 30}
